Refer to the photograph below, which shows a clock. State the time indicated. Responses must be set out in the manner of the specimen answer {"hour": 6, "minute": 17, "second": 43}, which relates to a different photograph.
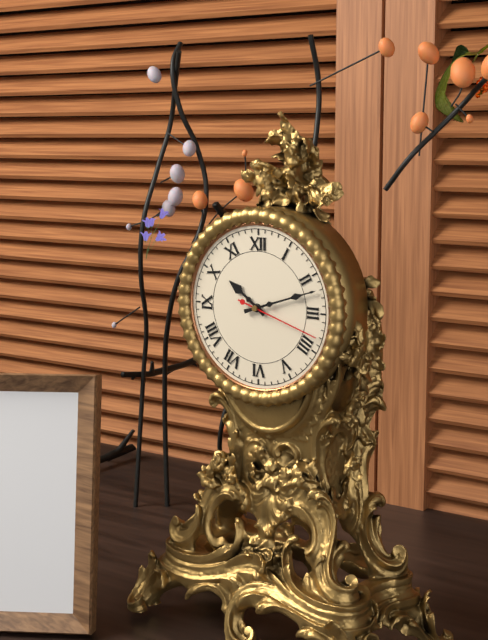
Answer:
{"hour": 10, "minute": 12, "second": 18}
